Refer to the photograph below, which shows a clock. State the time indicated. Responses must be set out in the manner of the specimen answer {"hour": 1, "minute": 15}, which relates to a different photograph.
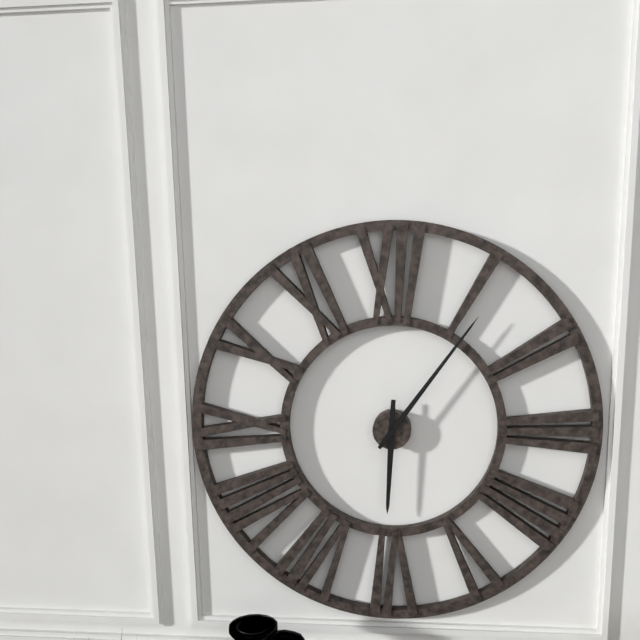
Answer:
{"hour": 6, "minute": 6}
